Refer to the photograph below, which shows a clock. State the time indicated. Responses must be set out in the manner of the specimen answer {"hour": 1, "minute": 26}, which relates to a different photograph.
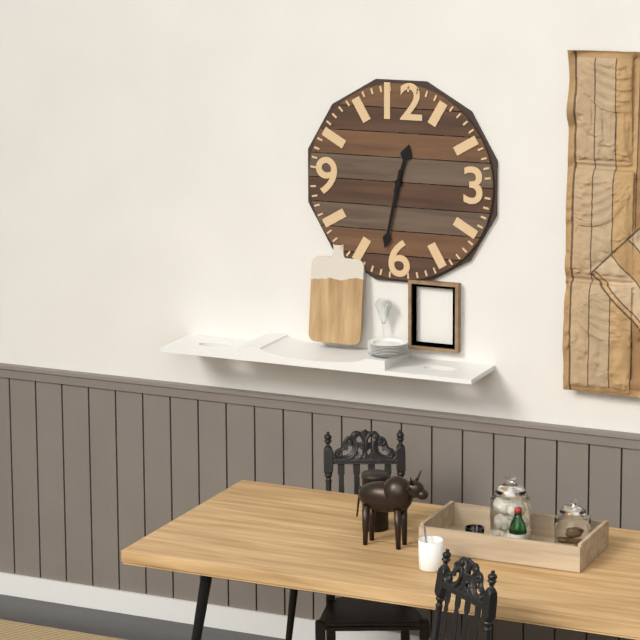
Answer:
{"hour": 12, "minute": 32}
